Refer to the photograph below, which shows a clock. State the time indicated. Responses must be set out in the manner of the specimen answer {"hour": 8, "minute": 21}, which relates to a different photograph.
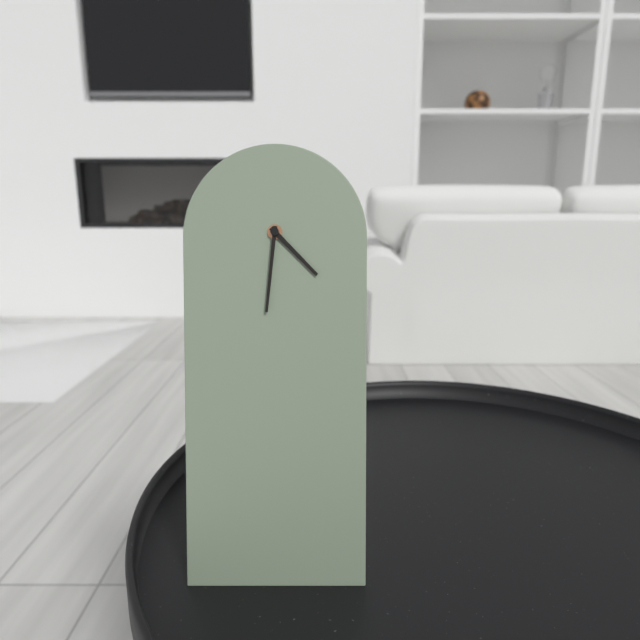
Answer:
{"hour": 4, "minute": 31}
